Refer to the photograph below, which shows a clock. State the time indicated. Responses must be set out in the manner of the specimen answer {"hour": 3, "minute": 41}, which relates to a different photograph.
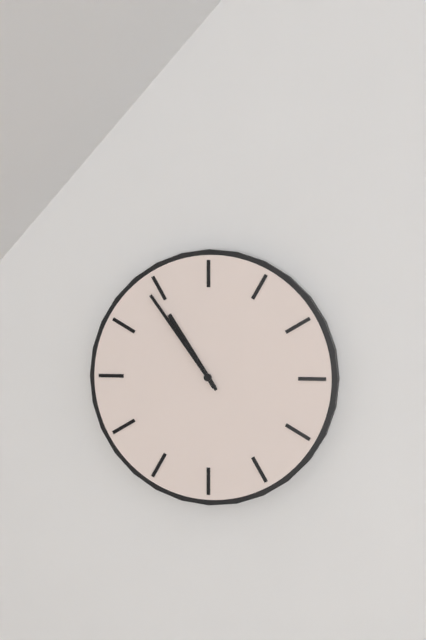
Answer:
{"hour": 10, "minute": 54}
